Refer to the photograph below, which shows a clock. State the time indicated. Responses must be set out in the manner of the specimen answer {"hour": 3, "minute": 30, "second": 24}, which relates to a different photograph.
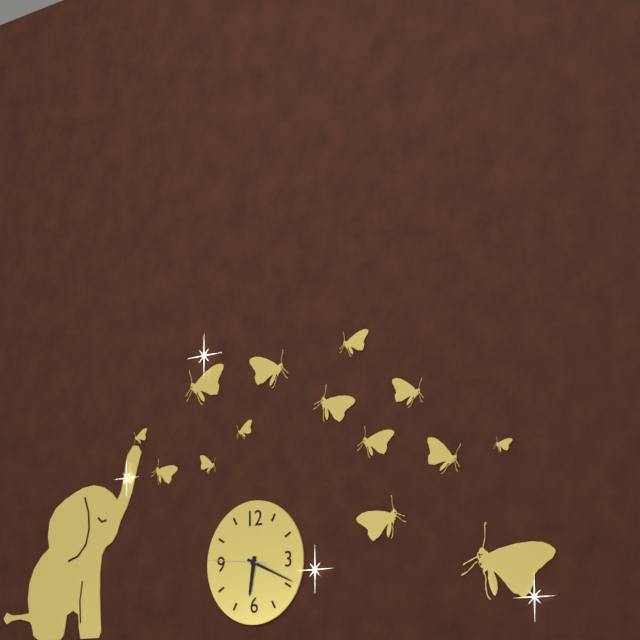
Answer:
{"hour": 6, "minute": 19, "second": 46}
